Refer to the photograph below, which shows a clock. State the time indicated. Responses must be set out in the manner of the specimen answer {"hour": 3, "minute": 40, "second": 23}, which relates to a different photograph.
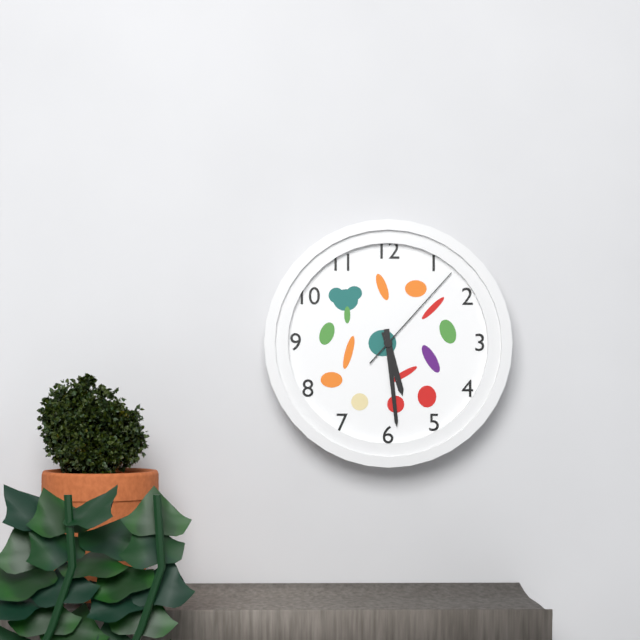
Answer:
{"hour": 5, "minute": 29, "second": 7}
